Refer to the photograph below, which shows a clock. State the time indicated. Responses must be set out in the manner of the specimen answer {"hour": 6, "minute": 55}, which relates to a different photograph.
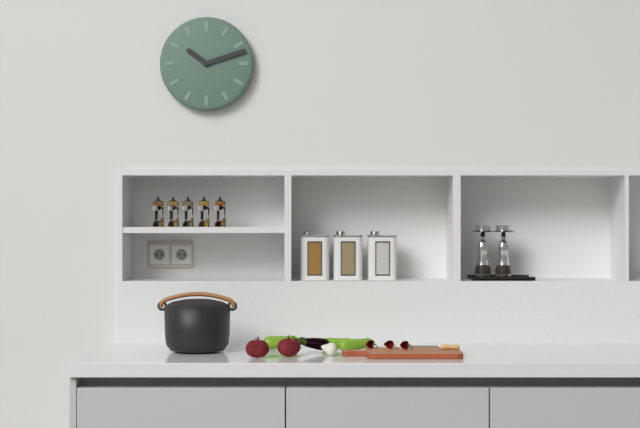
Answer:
{"hour": 10, "minute": 12}
